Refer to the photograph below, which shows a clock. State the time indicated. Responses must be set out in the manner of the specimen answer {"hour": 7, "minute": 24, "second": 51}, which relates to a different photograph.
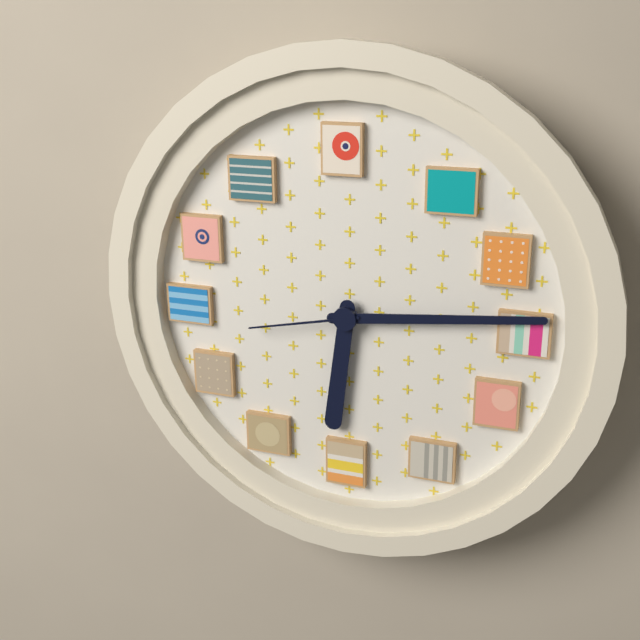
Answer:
{"hour": 6, "minute": 14, "second": 43}
